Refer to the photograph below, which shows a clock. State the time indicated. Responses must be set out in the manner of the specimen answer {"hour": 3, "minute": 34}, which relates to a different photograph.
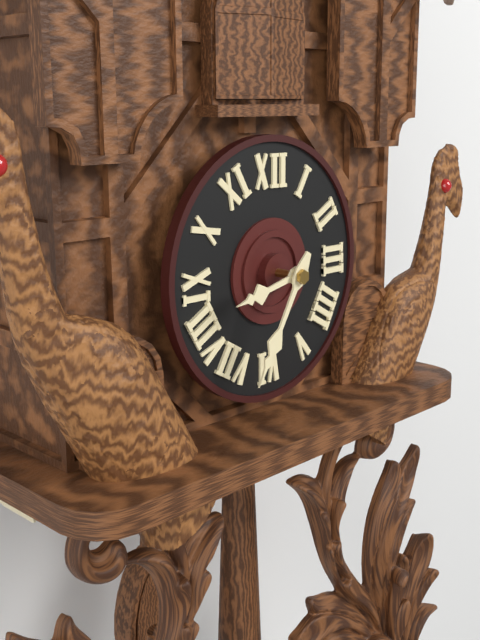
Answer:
{"hour": 8, "minute": 35}
